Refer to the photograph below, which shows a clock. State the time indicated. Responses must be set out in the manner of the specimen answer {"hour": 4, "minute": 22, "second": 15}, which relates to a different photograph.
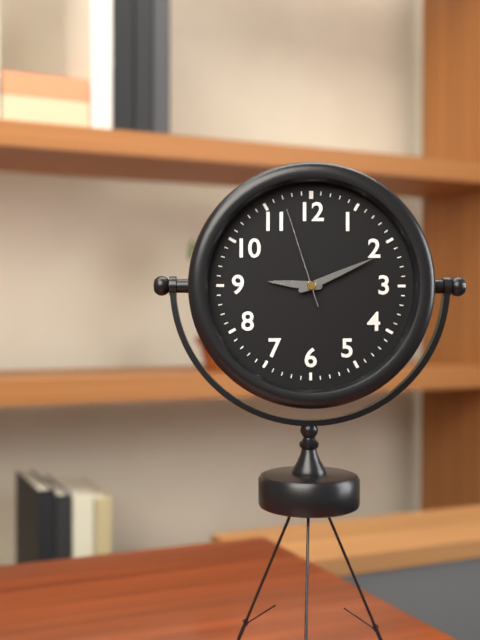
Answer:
{"hour": 9, "minute": 11, "second": 57}
